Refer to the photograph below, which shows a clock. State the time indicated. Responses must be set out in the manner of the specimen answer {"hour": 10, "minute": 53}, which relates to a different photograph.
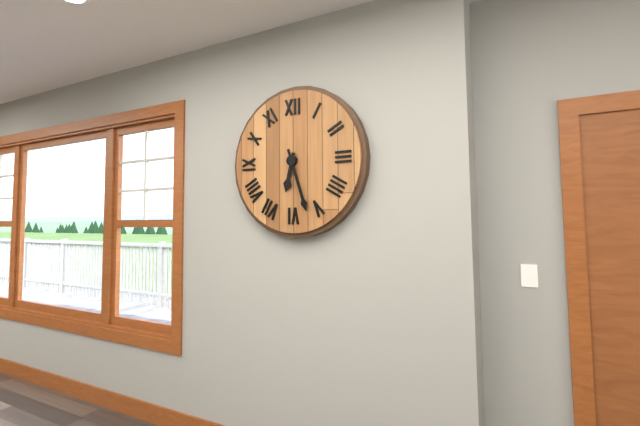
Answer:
{"hour": 6, "minute": 27}
